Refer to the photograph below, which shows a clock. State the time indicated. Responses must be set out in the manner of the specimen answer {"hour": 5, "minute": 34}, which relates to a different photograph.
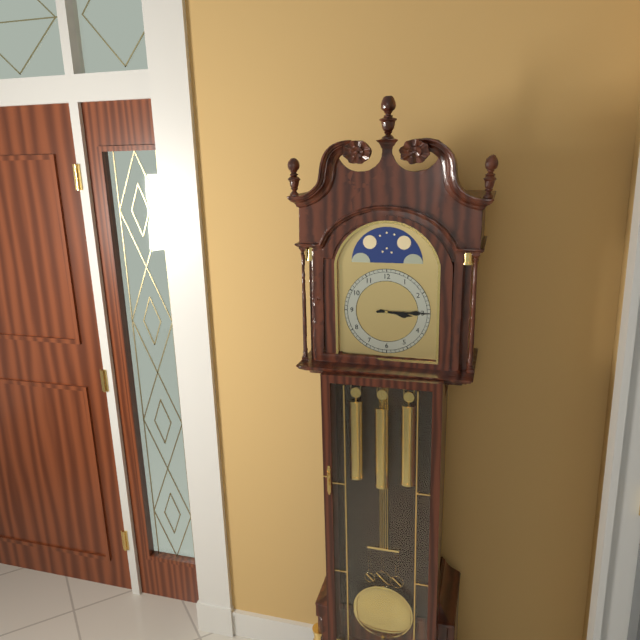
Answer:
{"hour": 3, "minute": 15}
